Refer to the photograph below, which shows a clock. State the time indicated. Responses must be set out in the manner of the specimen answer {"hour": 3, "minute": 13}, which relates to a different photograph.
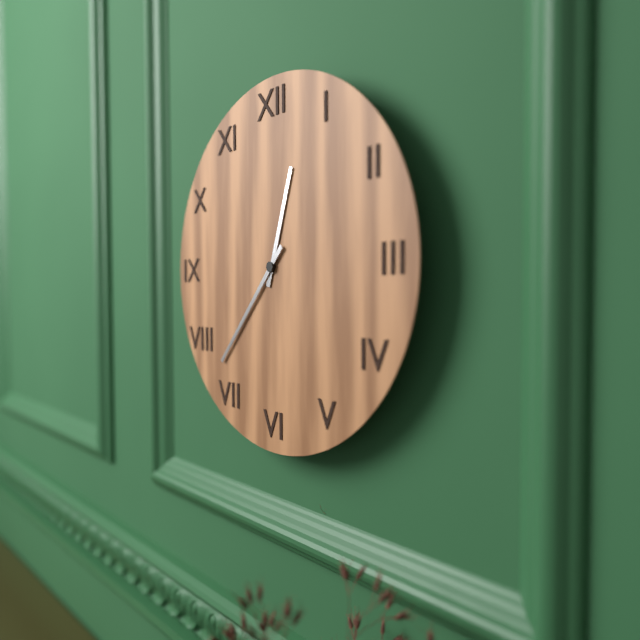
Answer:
{"hour": 12, "minute": 37}
